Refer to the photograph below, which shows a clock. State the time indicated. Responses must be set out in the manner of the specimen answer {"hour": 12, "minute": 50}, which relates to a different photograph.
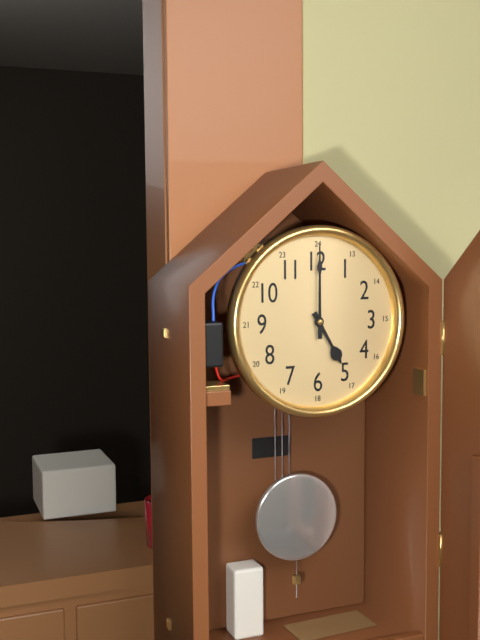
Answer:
{"hour": 5, "minute": 0}
